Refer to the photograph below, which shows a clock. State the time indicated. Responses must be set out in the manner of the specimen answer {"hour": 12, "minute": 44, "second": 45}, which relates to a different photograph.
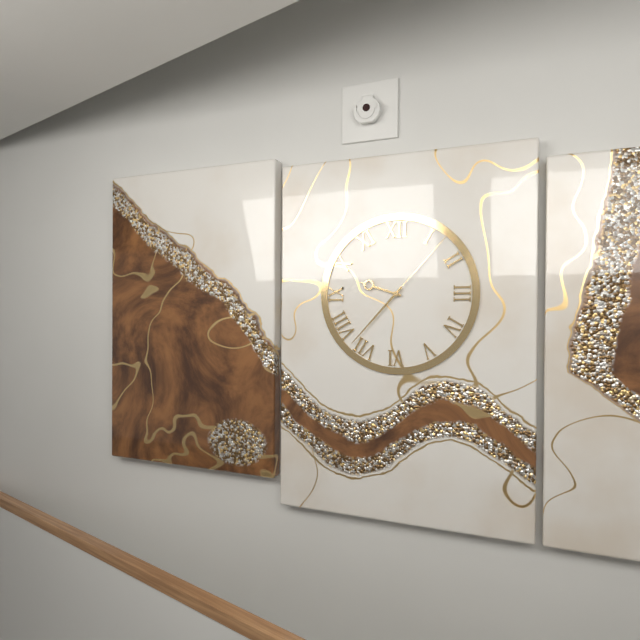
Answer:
{"hour": 9, "minute": 37, "second": 7}
